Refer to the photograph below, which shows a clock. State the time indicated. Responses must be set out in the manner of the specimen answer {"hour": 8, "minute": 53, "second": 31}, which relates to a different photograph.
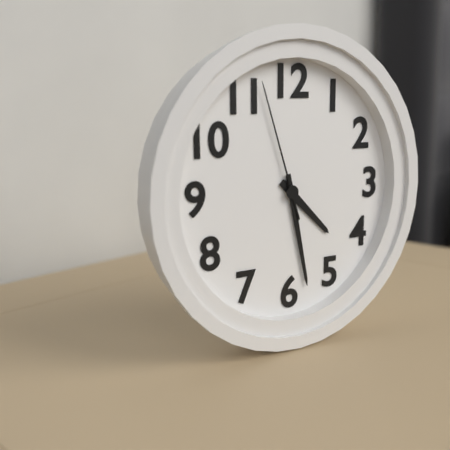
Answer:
{"hour": 4, "minute": 28, "second": 57}
